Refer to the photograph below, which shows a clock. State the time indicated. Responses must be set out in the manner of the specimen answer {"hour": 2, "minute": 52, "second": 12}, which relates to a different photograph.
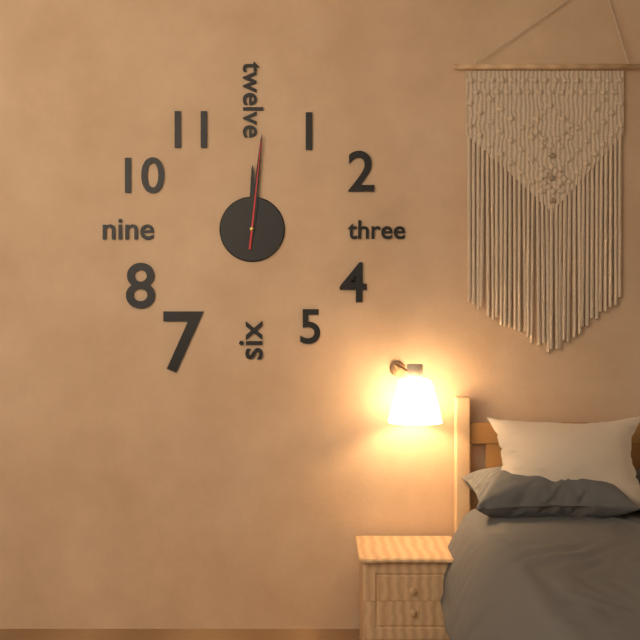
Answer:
{"hour": 12, "minute": 1, "second": 1}
